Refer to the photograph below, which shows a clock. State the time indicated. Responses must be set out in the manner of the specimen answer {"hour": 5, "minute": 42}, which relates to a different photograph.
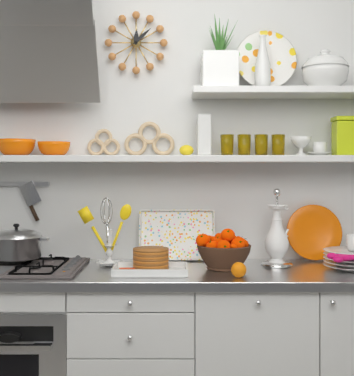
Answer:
{"hour": 12, "minute": 8}
